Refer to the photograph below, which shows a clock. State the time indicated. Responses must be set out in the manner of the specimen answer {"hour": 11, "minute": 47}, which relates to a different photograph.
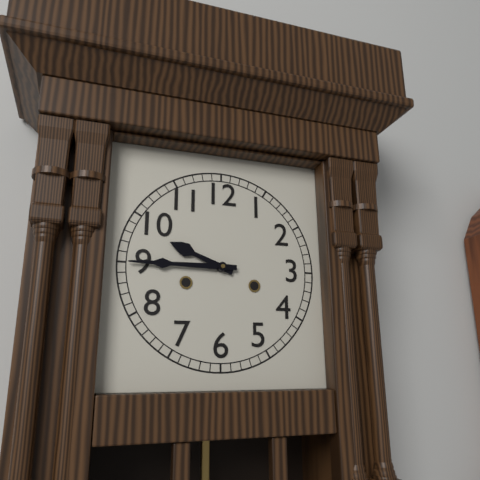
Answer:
{"hour": 9, "minute": 45}
